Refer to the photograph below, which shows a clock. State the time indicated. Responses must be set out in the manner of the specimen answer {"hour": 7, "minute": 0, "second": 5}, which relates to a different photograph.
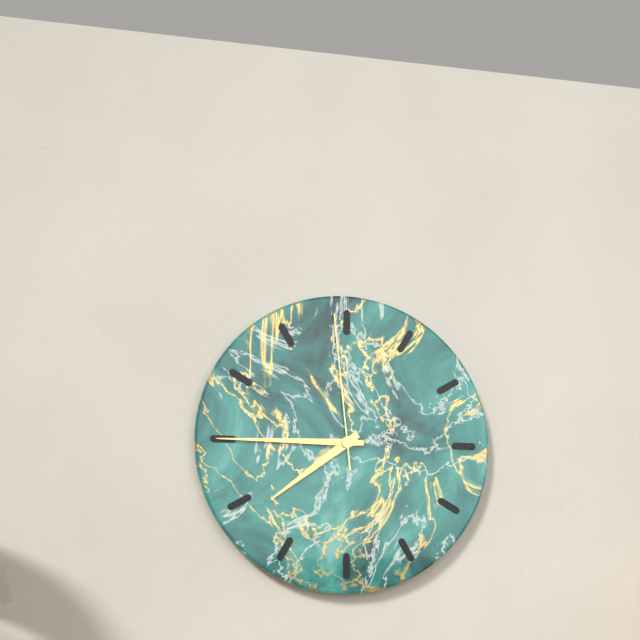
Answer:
{"hour": 7, "minute": 45, "second": 59}
